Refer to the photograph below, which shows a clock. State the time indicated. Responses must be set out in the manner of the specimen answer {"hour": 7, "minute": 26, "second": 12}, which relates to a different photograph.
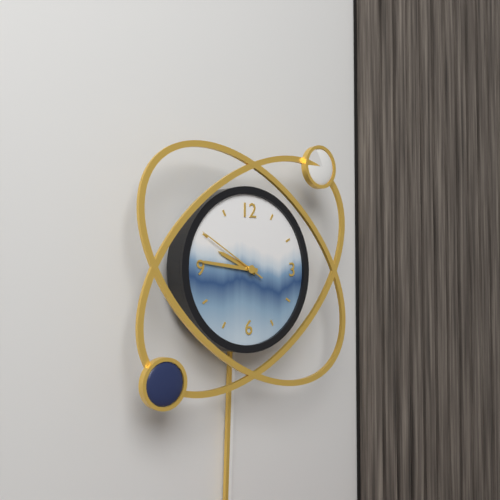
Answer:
{"hour": 9, "minute": 46, "second": 50}
